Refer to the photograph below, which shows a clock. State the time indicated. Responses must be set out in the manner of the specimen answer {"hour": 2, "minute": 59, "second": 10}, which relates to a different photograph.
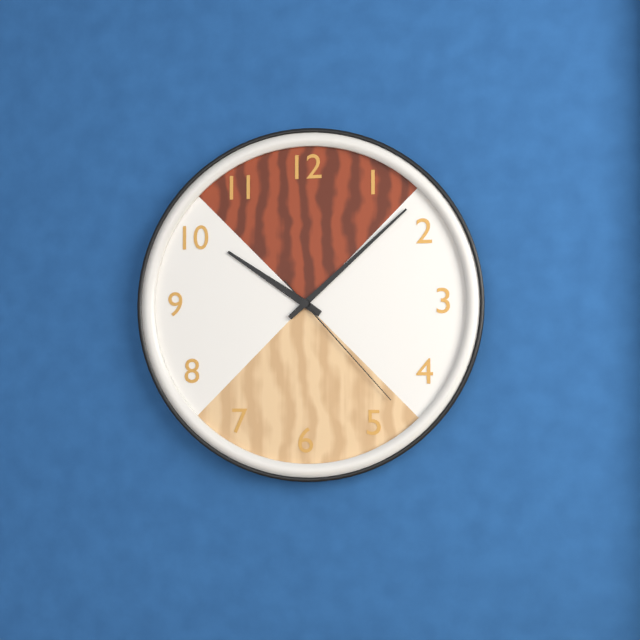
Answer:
{"hour": 10, "minute": 8, "second": 23}
